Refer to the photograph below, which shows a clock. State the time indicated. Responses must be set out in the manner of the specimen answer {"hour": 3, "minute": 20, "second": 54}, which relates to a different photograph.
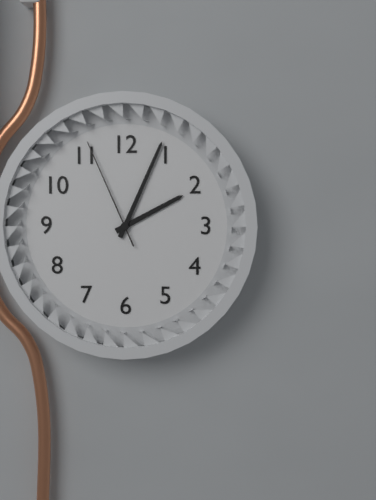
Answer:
{"hour": 2, "minute": 4, "second": 56}
